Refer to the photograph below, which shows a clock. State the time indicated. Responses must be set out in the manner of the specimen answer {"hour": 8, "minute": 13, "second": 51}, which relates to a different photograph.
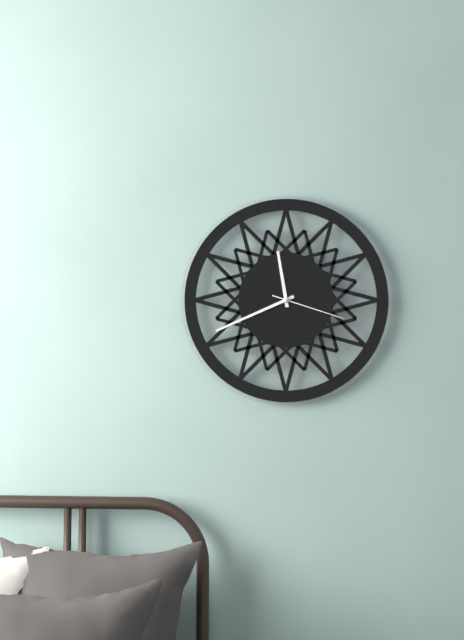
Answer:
{"hour": 11, "minute": 41, "second": 18}
